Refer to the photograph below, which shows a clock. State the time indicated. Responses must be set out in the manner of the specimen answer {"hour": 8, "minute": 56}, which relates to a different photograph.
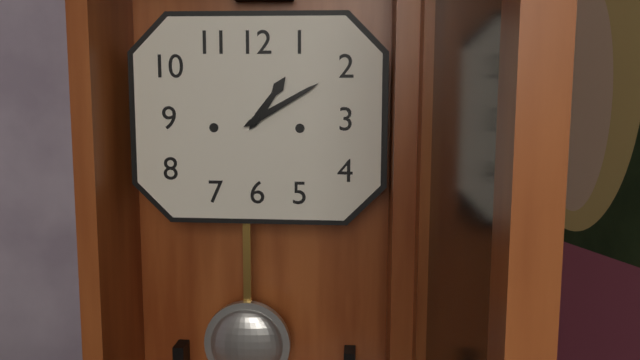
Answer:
{"hour": 1, "minute": 10}
